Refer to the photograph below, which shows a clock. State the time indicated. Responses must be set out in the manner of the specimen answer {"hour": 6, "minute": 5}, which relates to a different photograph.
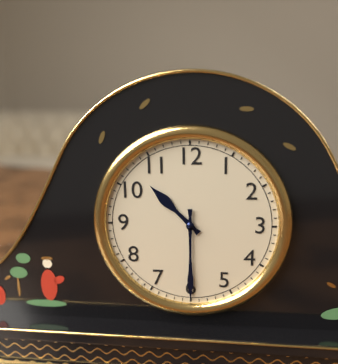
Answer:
{"hour": 10, "minute": 30}
